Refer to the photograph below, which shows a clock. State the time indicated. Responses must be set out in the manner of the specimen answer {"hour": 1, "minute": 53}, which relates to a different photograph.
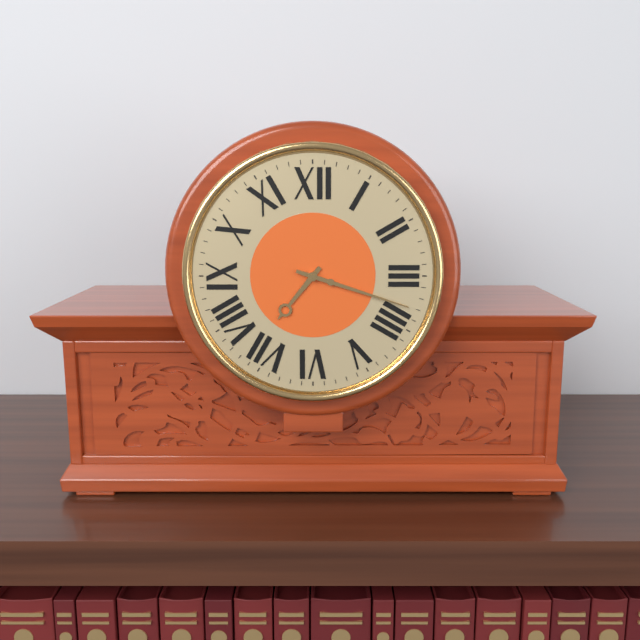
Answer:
{"hour": 7, "minute": 18}
